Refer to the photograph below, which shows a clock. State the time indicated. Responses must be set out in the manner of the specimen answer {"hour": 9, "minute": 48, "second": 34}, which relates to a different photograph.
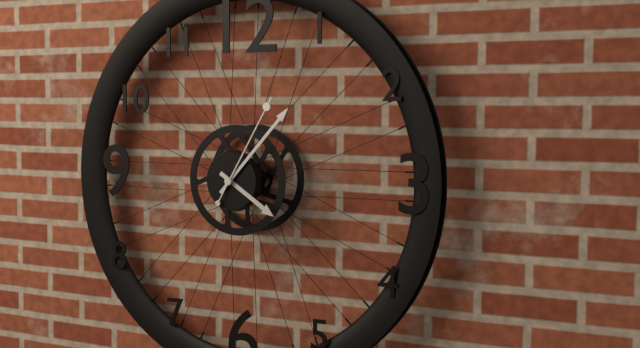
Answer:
{"hour": 4, "minute": 7, "second": 5}
